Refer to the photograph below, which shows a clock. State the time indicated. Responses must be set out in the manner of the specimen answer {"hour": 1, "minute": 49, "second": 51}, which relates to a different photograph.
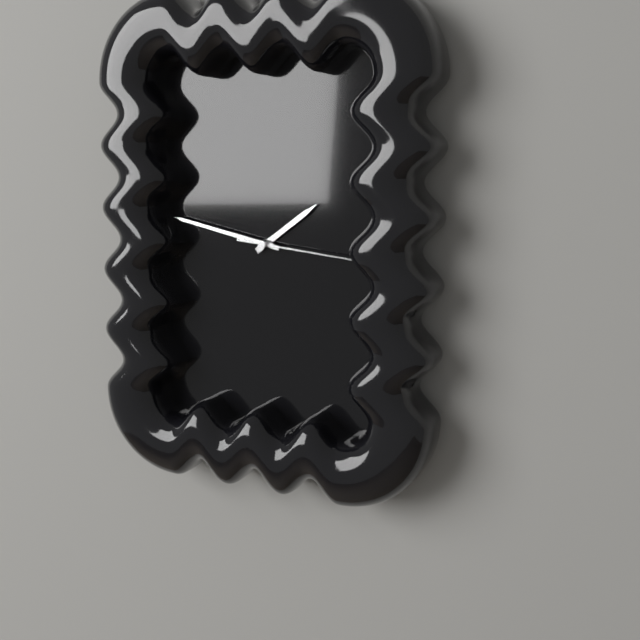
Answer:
{"hour": 1, "minute": 47, "second": 16}
